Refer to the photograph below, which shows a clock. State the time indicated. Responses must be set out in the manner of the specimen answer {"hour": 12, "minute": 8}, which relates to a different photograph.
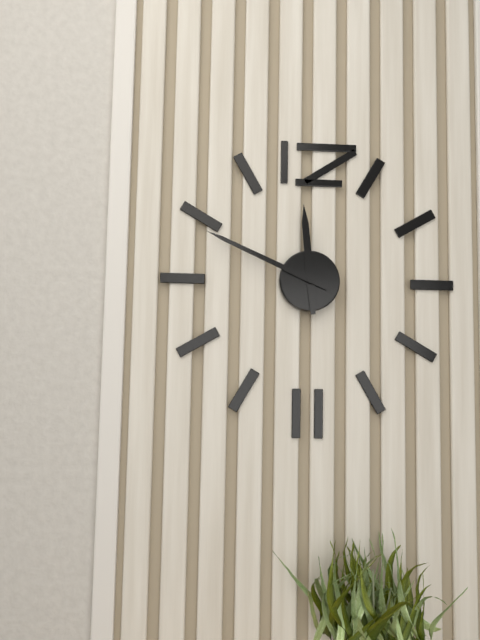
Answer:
{"hour": 11, "minute": 49}
